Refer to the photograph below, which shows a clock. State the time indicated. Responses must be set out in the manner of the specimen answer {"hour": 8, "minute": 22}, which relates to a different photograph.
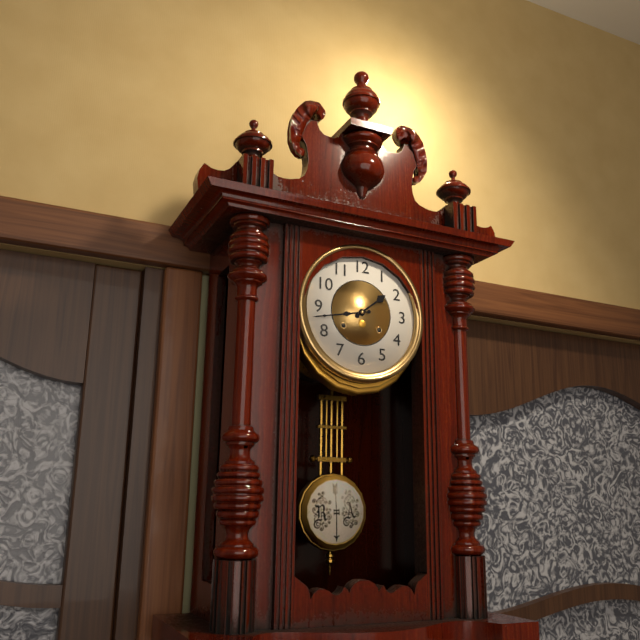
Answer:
{"hour": 1, "minute": 43}
